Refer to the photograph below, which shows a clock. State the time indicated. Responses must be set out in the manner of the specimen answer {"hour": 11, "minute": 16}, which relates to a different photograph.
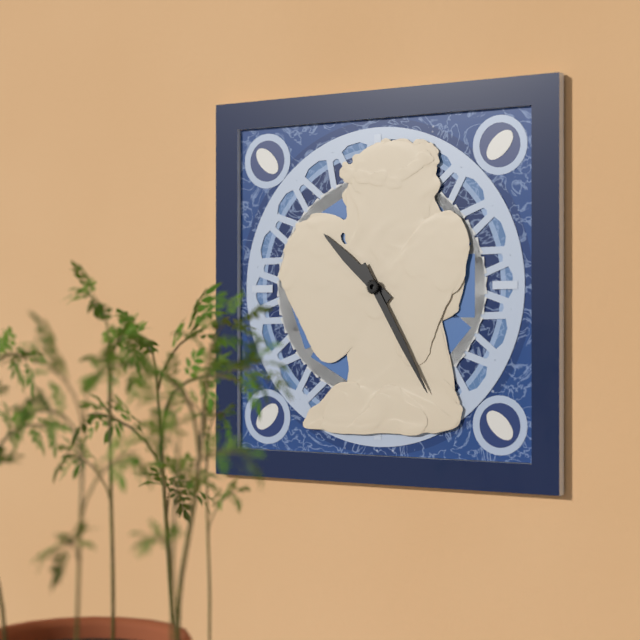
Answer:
{"hour": 10, "minute": 25}
